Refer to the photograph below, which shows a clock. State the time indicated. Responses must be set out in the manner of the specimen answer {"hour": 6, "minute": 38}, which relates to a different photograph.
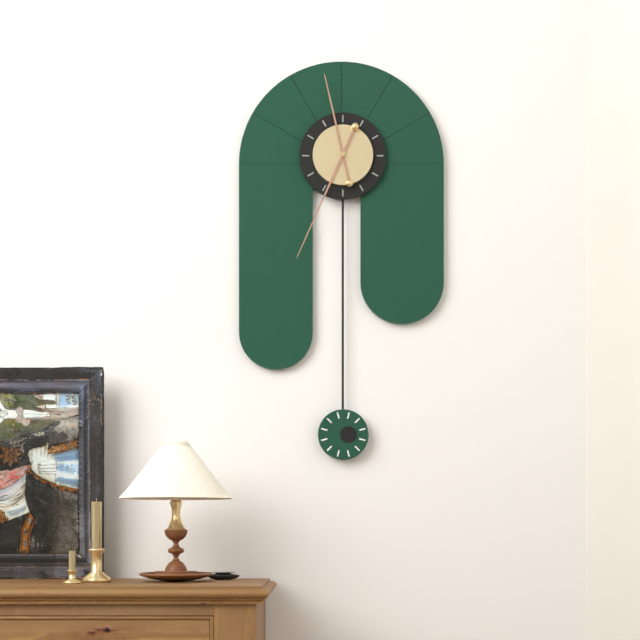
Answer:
{"hour": 11, "minute": 34}
